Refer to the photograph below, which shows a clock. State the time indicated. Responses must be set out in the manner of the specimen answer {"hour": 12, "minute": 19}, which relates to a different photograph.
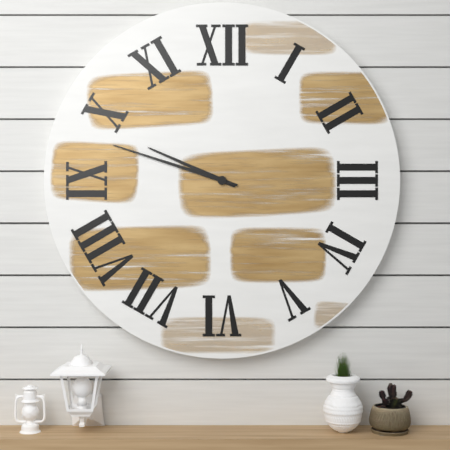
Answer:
{"hour": 9, "minute": 48}
